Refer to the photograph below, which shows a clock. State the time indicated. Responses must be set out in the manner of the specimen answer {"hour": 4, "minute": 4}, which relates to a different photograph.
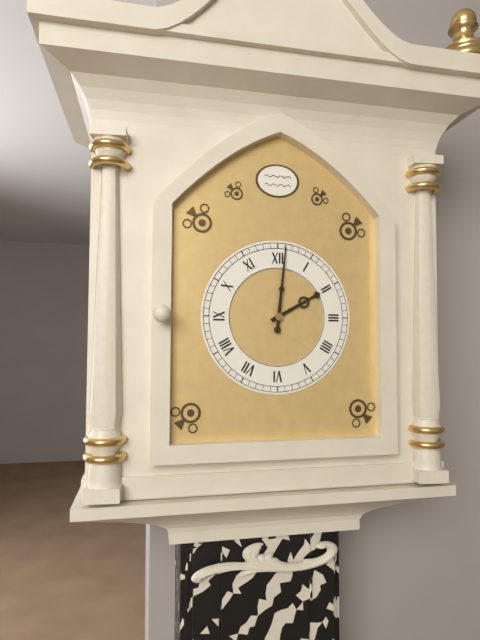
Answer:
{"hour": 2, "minute": 1}
